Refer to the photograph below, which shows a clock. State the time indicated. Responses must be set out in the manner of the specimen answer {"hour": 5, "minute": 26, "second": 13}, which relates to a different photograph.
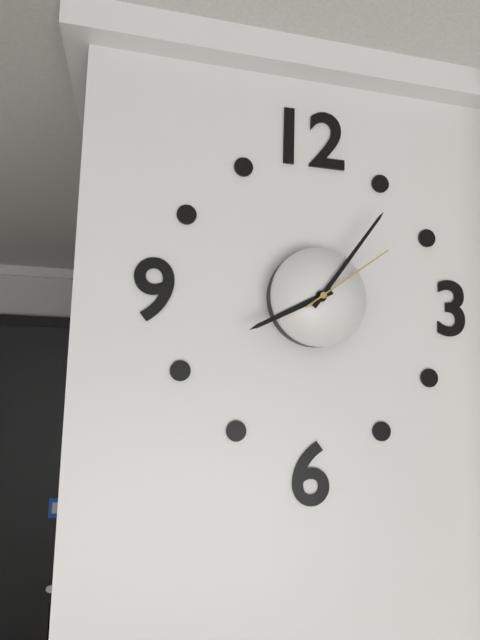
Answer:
{"hour": 8, "minute": 6, "second": 9}
